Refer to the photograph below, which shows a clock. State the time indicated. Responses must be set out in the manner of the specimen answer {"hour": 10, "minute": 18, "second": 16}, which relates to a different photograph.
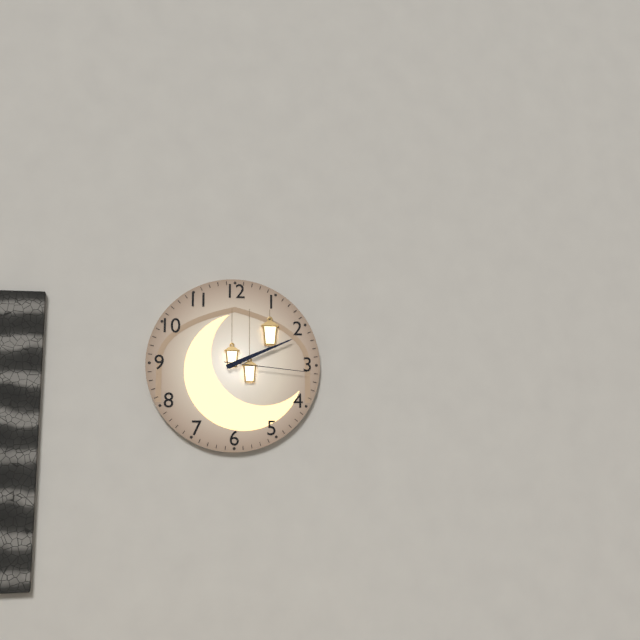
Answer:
{"hour": 2, "minute": 11, "second": 16}
